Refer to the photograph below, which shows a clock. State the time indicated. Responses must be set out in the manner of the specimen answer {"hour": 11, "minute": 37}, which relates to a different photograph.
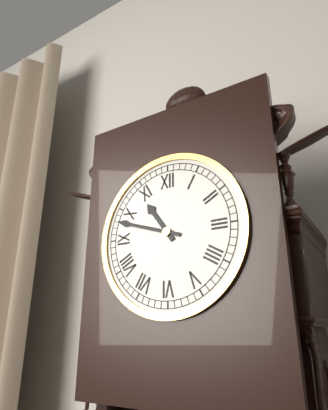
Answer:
{"hour": 10, "minute": 48}
